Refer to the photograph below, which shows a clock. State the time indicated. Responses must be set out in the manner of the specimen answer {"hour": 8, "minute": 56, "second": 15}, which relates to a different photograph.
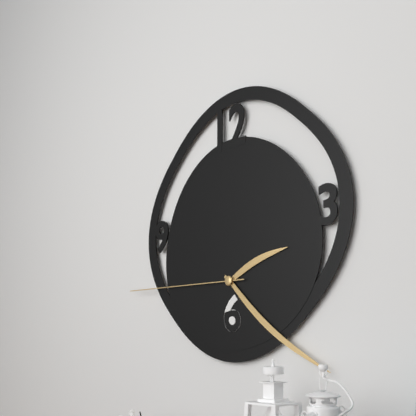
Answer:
{"hour": 2, "minute": 21, "second": 45}
